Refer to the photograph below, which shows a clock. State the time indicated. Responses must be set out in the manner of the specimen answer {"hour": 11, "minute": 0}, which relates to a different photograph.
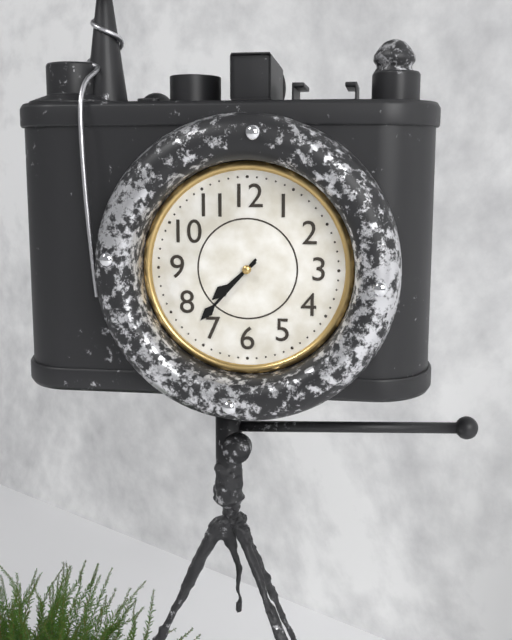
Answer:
{"hour": 7, "minute": 37}
